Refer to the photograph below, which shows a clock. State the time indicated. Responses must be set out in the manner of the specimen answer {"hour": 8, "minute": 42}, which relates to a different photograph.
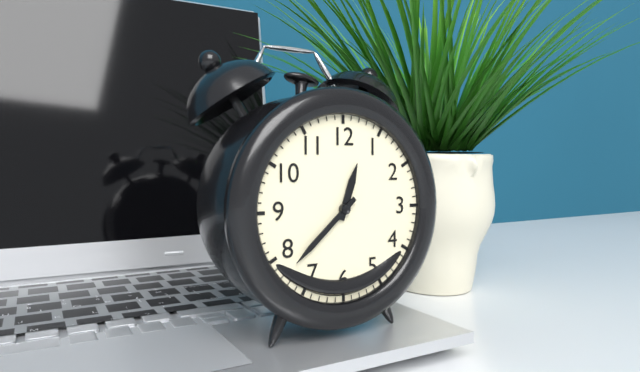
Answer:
{"hour": 12, "minute": 38}
